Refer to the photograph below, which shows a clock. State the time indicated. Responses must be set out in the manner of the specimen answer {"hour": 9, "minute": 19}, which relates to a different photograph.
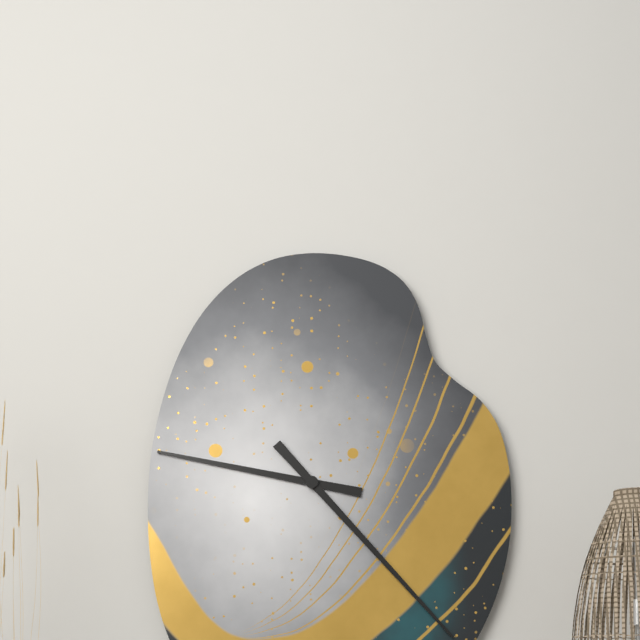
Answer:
{"hour": 9, "minute": 23}
